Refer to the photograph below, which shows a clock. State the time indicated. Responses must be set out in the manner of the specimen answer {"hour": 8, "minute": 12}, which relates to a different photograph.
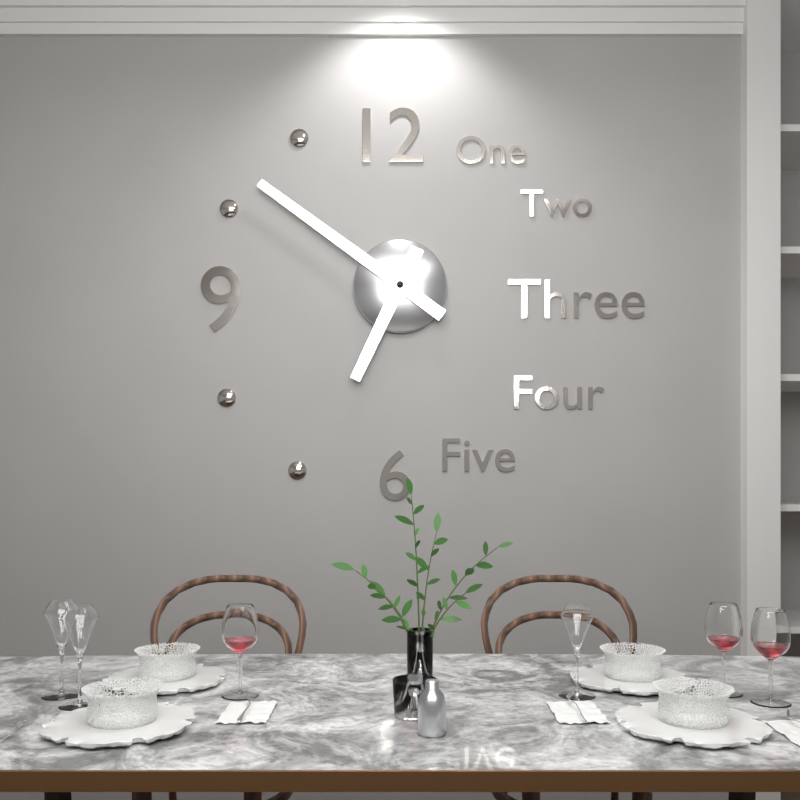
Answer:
{"hour": 6, "minute": 51}
